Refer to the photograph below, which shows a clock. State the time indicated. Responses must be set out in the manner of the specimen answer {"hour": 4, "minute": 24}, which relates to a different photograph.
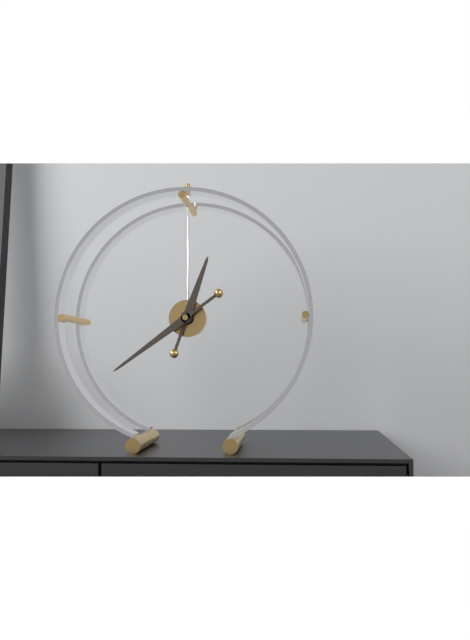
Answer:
{"hour": 12, "minute": 39}
